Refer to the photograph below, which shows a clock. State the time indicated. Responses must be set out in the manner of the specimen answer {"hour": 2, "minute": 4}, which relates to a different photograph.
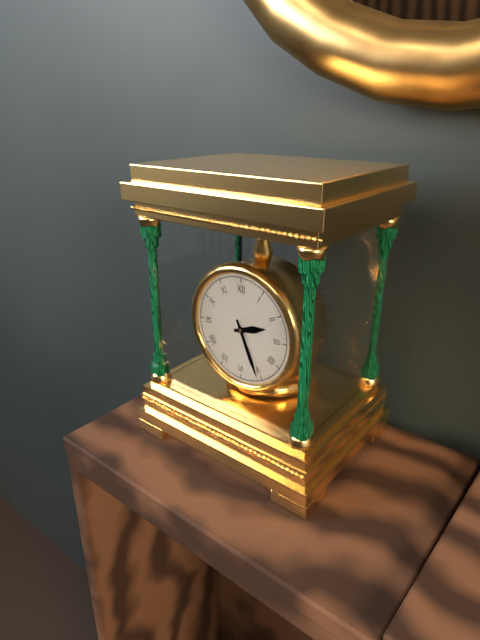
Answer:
{"hour": 2, "minute": 26}
